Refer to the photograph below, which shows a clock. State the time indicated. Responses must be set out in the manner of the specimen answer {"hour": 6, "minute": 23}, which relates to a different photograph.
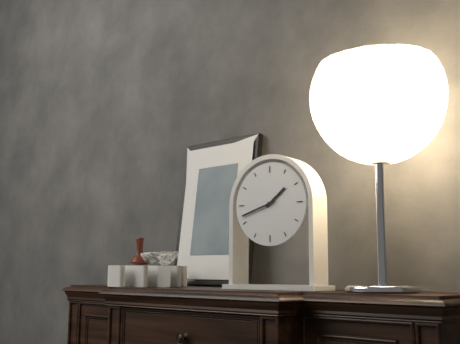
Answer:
{"hour": 1, "minute": 42}
